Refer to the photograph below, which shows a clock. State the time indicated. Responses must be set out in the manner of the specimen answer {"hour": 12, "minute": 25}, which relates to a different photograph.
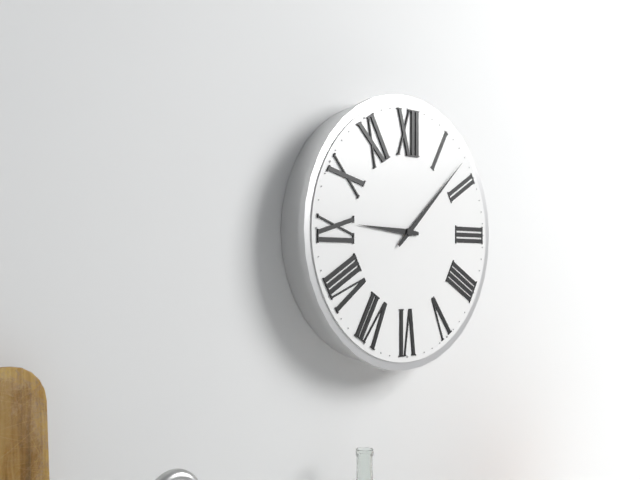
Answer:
{"hour": 9, "minute": 8}
